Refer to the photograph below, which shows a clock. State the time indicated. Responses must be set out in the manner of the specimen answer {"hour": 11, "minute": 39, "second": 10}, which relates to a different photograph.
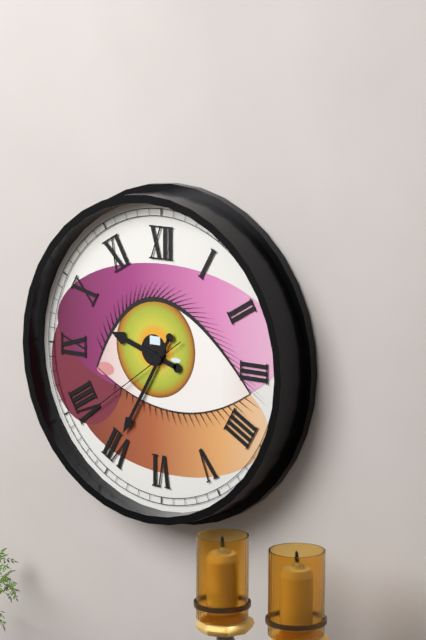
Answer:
{"hour": 9, "minute": 35, "second": 39}
